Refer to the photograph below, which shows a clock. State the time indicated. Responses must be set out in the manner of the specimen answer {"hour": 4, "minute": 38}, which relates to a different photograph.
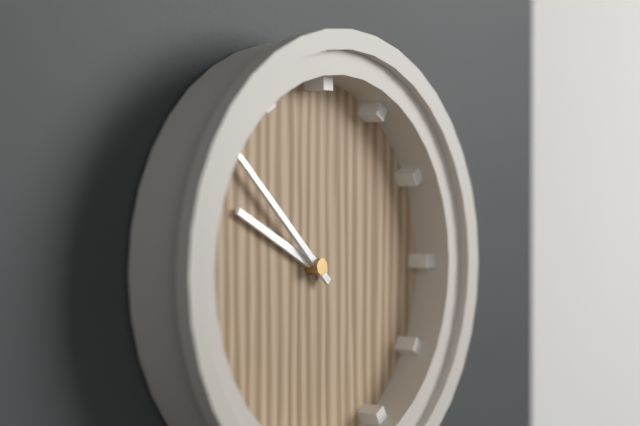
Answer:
{"hour": 9, "minute": 52}
